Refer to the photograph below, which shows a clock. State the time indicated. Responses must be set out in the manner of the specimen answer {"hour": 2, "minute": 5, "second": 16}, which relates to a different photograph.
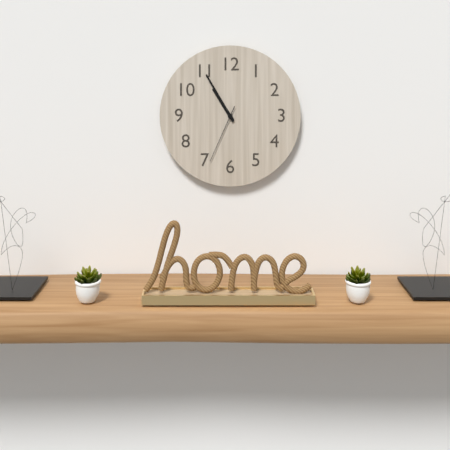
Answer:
{"hour": 10, "minute": 55, "second": 34}
